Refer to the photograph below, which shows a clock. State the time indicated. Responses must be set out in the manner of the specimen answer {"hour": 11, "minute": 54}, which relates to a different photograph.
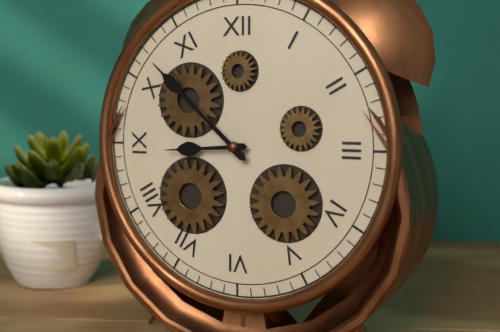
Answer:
{"hour": 8, "minute": 52}
